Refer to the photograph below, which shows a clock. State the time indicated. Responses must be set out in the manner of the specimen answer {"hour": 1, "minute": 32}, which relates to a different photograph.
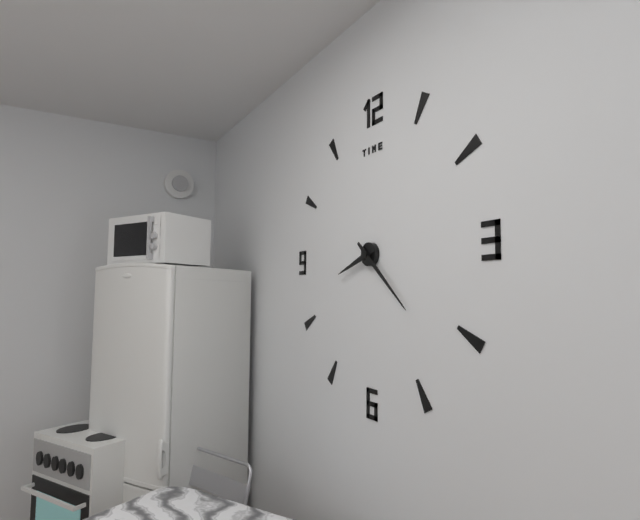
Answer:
{"hour": 8, "minute": 22}
